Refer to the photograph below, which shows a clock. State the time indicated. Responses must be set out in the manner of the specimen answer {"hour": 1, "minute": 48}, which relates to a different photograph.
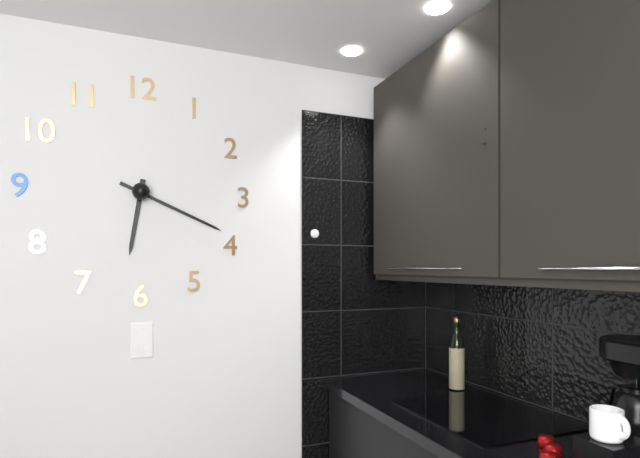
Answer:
{"hour": 6, "minute": 19}
